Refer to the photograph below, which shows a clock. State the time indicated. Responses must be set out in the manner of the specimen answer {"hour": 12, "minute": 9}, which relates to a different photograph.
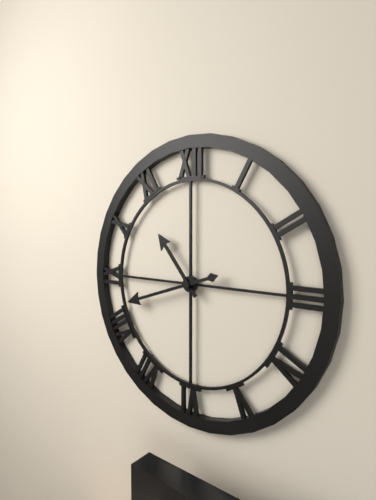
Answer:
{"hour": 10, "minute": 42}
